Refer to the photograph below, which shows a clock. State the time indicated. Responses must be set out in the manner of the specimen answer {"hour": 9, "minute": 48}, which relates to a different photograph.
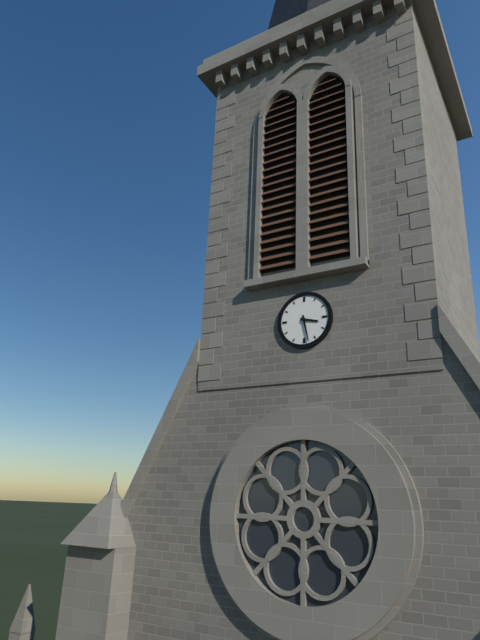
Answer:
{"hour": 3, "minute": 28}
